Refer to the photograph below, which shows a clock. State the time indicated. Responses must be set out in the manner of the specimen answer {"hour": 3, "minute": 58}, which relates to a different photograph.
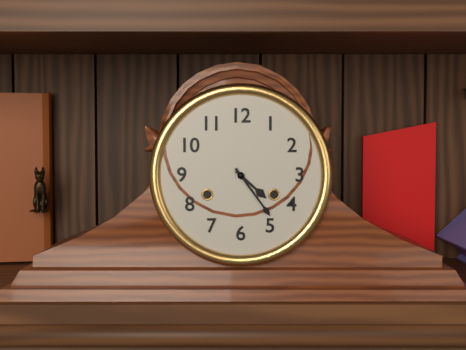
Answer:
{"hour": 4, "minute": 24}
